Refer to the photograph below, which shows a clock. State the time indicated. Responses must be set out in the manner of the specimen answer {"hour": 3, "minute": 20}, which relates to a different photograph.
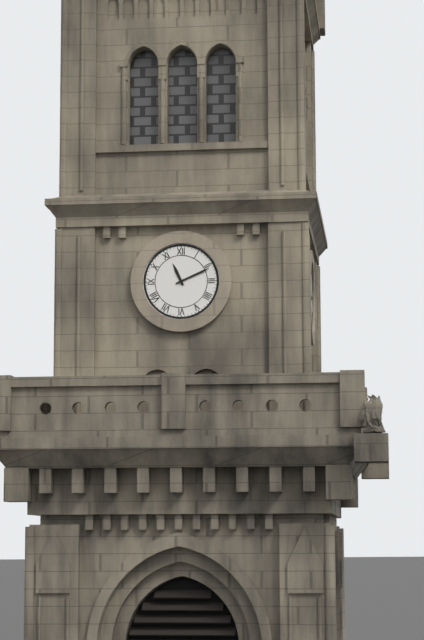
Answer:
{"hour": 11, "minute": 11}
